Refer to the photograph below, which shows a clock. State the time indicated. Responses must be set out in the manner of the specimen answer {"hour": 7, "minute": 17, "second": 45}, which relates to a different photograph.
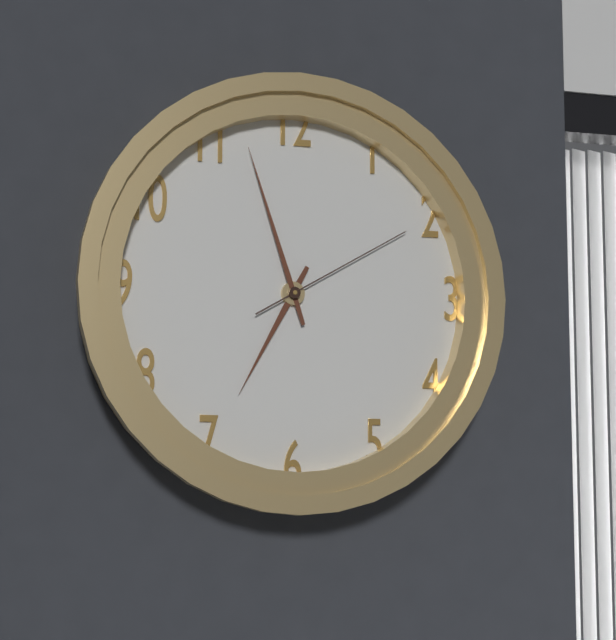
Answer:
{"hour": 6, "minute": 57, "second": 10}
